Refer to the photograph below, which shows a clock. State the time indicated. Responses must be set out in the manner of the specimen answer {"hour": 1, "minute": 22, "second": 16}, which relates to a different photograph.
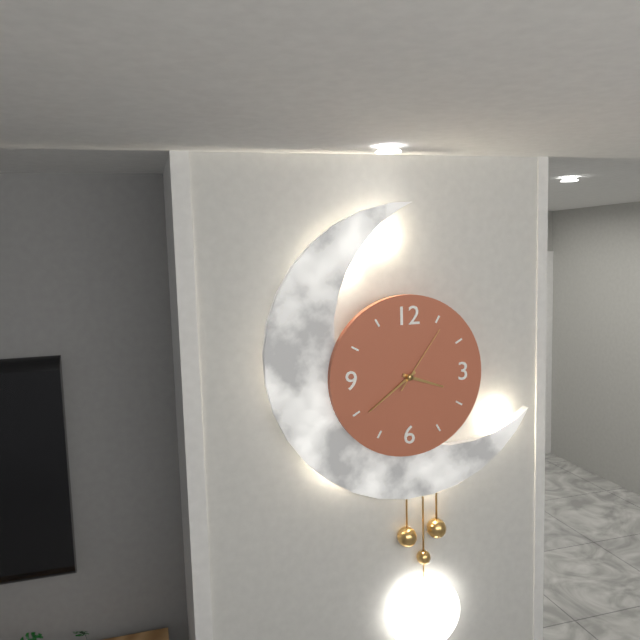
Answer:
{"hour": 3, "minute": 39, "second": 6}
